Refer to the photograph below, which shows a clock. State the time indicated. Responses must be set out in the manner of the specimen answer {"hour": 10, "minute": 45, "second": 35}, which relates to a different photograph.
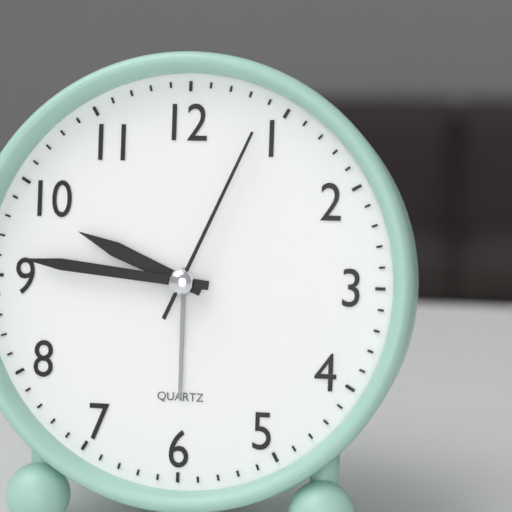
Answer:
{"hour": 9, "minute": 46, "second": 4}
